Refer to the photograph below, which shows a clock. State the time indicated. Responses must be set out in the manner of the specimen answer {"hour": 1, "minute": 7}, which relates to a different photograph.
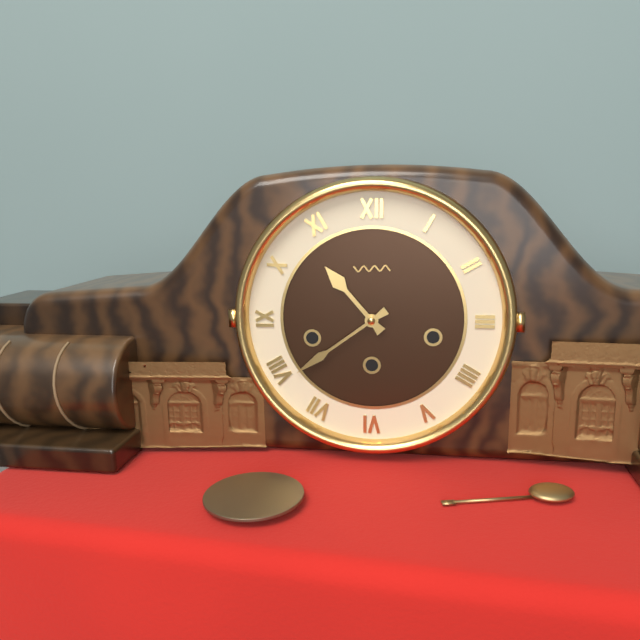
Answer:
{"hour": 10, "minute": 39}
